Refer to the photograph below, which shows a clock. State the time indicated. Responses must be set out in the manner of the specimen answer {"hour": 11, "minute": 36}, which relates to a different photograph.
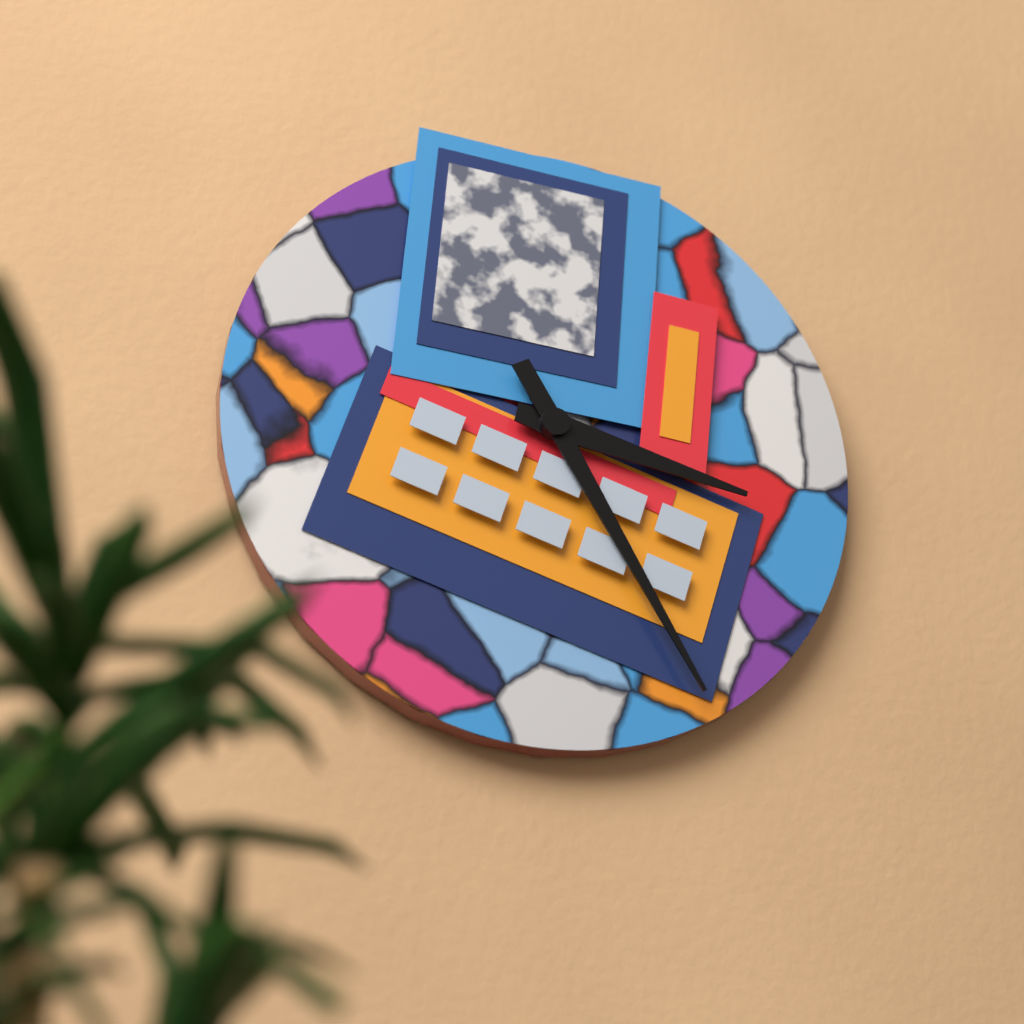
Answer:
{"hour": 3, "minute": 25}
